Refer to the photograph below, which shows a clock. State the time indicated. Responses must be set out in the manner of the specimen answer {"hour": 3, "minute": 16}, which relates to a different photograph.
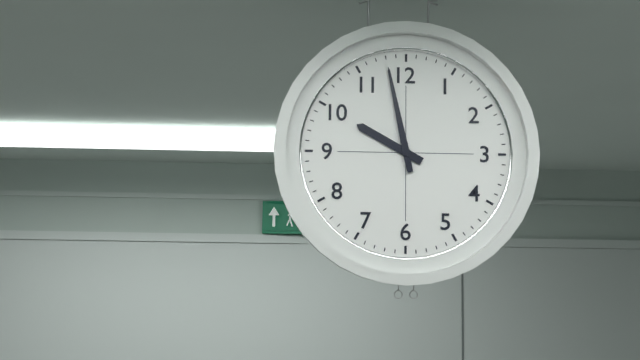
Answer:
{"hour": 9, "minute": 58}
